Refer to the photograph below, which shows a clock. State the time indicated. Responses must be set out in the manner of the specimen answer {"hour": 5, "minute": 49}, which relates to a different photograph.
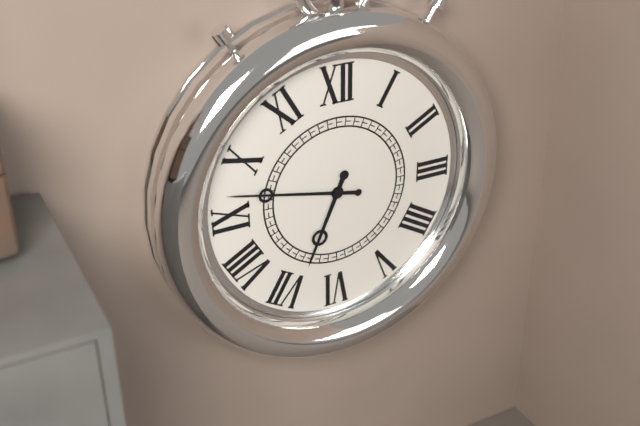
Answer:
{"hour": 6, "minute": 47}
